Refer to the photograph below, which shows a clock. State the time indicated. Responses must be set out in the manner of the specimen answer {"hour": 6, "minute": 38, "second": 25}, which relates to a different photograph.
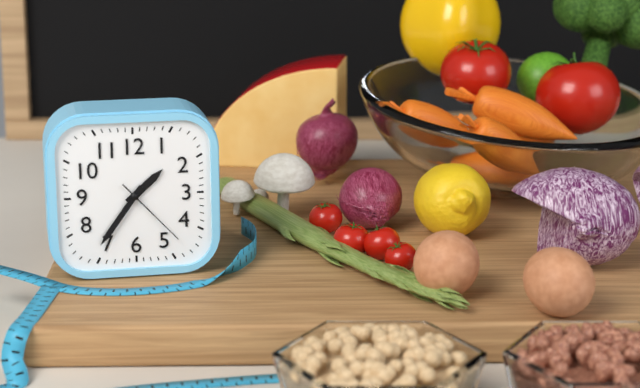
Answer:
{"hour": 1, "minute": 36, "second": 23}
